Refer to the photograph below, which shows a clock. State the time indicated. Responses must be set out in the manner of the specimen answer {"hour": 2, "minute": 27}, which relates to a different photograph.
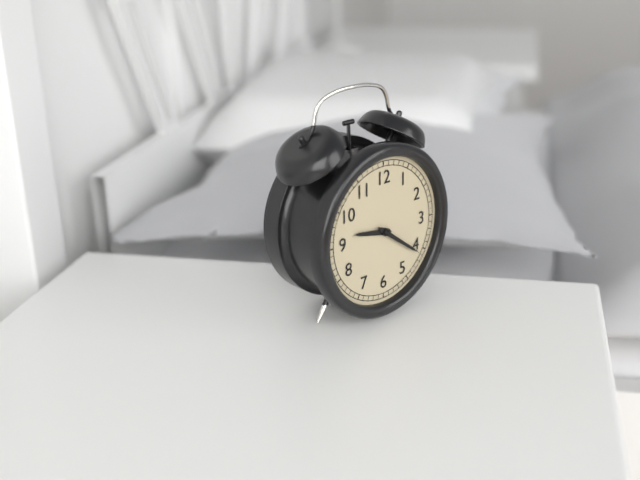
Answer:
{"hour": 9, "minute": 21}
